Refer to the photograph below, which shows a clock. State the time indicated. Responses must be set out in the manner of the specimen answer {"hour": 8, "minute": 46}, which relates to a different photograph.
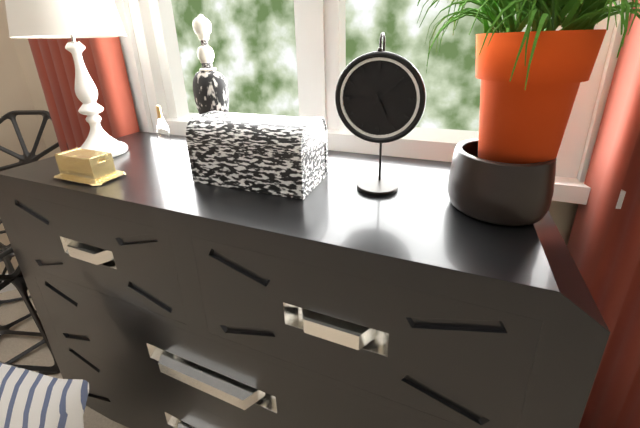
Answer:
{"hour": 5, "minute": 8}
